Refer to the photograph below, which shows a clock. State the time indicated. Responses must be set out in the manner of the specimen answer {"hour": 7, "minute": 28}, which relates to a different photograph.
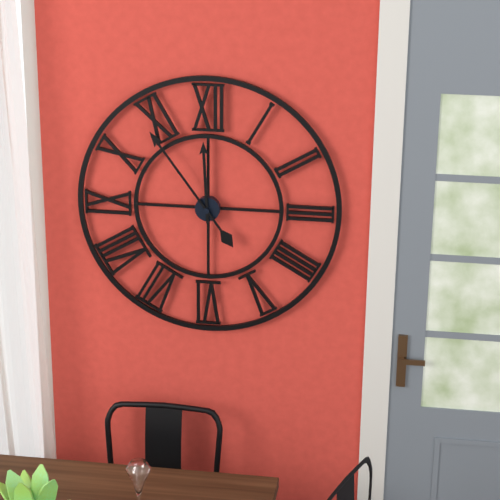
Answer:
{"hour": 11, "minute": 54}
